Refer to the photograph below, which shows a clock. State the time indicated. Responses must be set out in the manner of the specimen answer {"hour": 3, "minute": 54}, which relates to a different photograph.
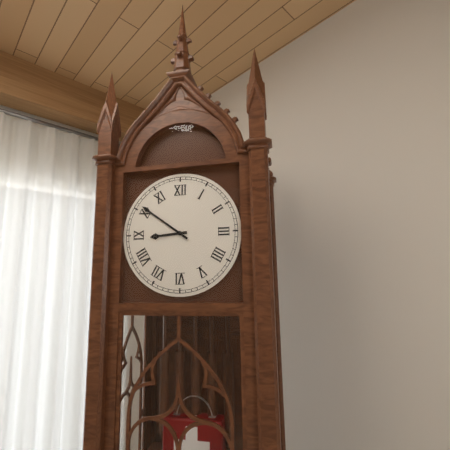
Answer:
{"hour": 8, "minute": 51}
